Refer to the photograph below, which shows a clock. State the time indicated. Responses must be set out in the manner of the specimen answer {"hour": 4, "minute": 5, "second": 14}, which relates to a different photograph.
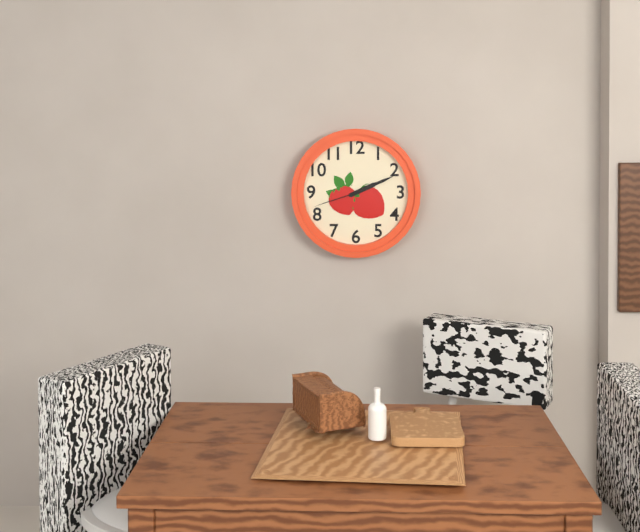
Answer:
{"hour": 2, "minute": 11, "second": 42}
